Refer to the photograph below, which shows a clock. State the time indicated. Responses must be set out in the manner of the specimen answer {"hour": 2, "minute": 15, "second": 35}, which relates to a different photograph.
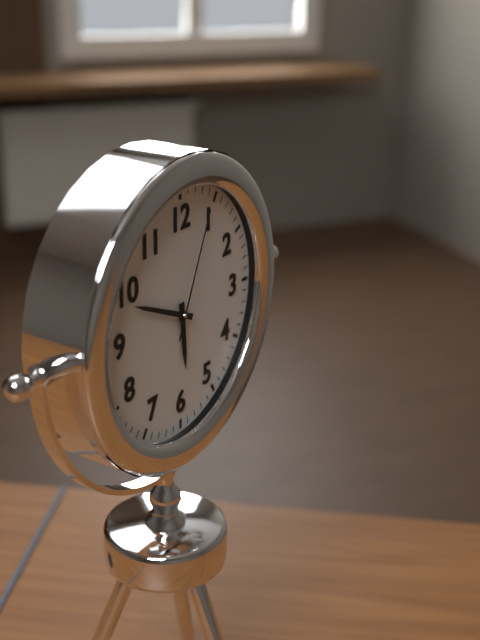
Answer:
{"hour": 5, "minute": 49, "second": 4}
